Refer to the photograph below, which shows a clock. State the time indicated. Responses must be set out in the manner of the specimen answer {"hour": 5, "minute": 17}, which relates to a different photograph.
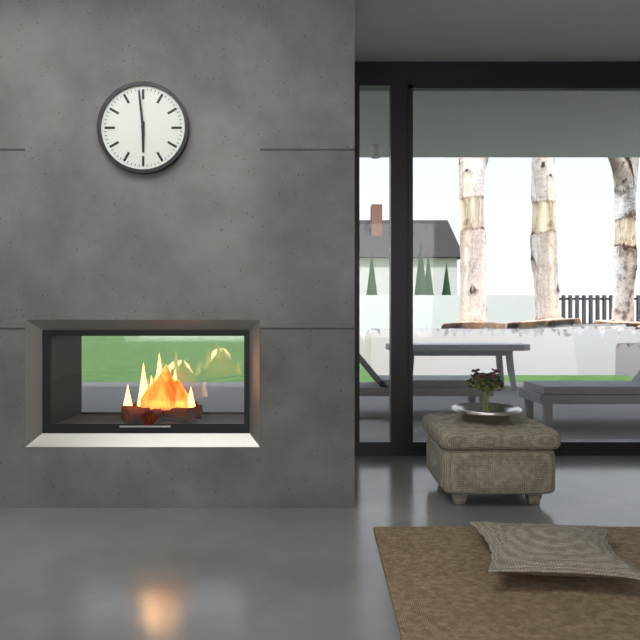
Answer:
{"hour": 5, "minute": 59}
